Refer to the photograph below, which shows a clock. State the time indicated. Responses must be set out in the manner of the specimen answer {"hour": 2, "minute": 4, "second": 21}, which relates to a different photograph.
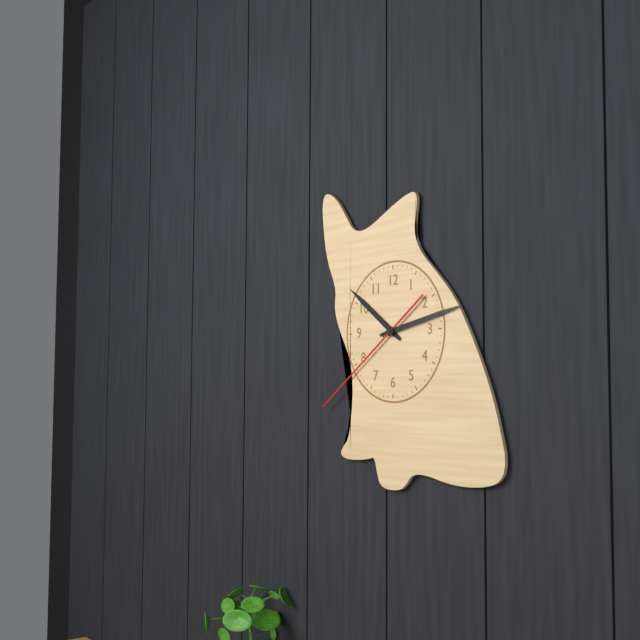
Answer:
{"hour": 10, "minute": 13, "second": 39}
